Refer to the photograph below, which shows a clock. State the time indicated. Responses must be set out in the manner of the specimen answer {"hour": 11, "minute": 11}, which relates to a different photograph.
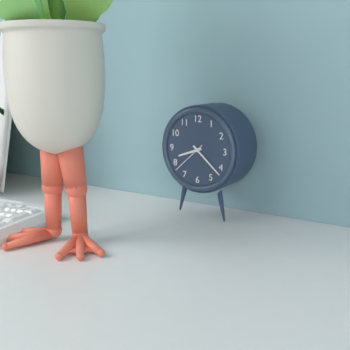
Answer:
{"hour": 8, "minute": 22}
